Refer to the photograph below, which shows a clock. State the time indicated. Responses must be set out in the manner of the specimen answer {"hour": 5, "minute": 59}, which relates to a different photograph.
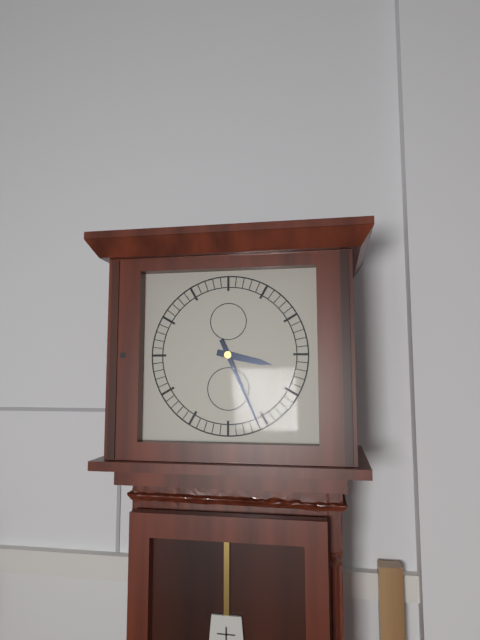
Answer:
{"hour": 3, "minute": 26}
